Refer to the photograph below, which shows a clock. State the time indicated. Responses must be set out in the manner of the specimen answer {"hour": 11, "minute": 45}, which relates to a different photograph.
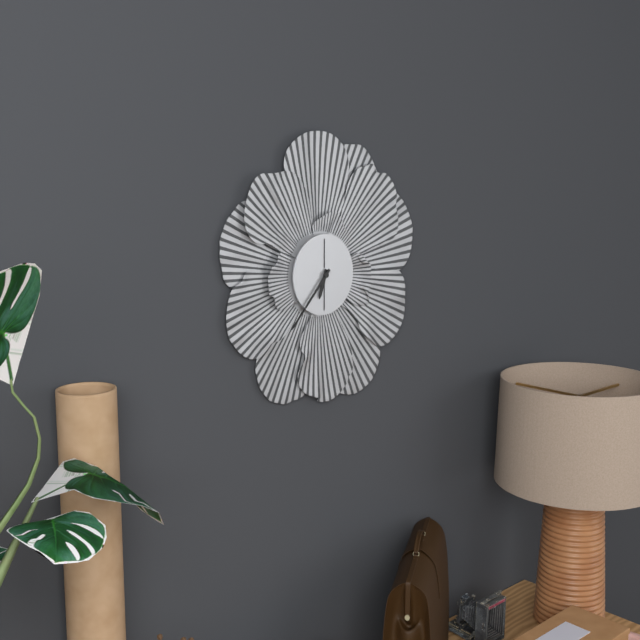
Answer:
{"hour": 6, "minute": 37}
